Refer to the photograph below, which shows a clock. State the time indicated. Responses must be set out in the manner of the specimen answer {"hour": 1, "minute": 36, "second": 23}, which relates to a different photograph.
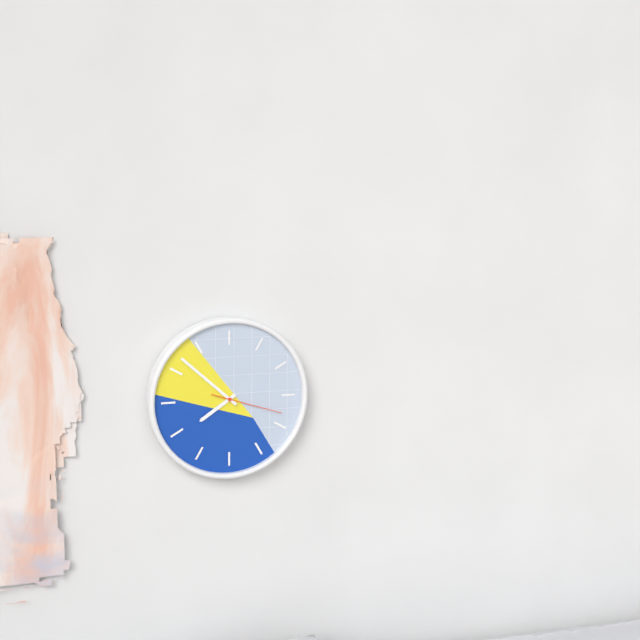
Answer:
{"hour": 7, "minute": 52, "second": 18}
